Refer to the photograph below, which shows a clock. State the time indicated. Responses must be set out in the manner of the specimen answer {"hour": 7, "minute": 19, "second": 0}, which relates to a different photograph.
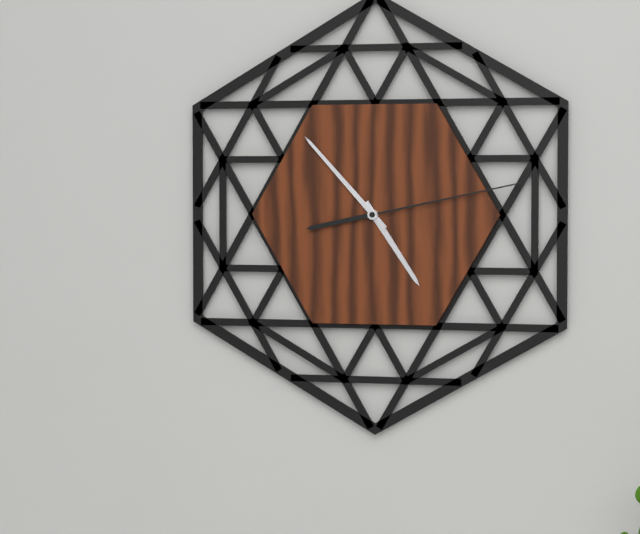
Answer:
{"hour": 4, "minute": 53, "second": 13}
